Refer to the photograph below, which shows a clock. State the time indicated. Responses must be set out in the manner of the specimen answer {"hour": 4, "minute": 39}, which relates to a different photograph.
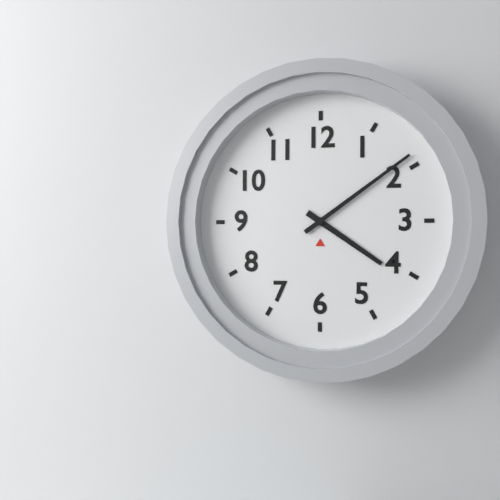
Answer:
{"hour": 4, "minute": 9}
